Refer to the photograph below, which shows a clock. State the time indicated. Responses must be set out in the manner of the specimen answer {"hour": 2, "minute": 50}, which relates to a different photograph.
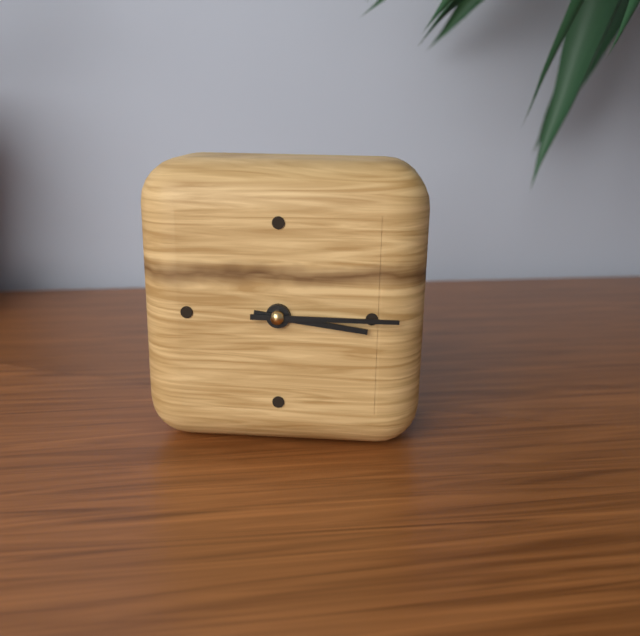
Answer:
{"hour": 3, "minute": 15}
